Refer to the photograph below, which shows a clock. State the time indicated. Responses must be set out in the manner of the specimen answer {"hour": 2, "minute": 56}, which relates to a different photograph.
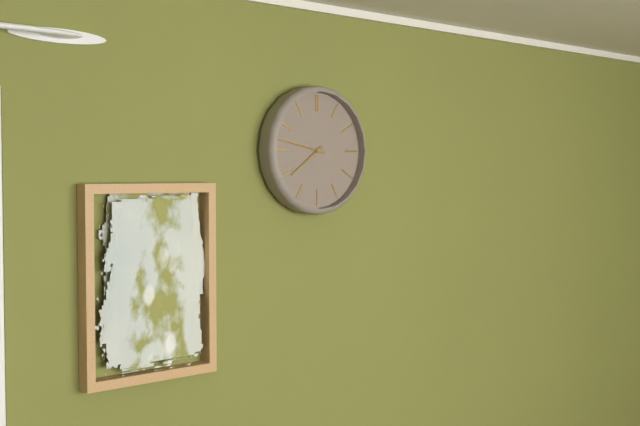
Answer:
{"hour": 7, "minute": 47}
